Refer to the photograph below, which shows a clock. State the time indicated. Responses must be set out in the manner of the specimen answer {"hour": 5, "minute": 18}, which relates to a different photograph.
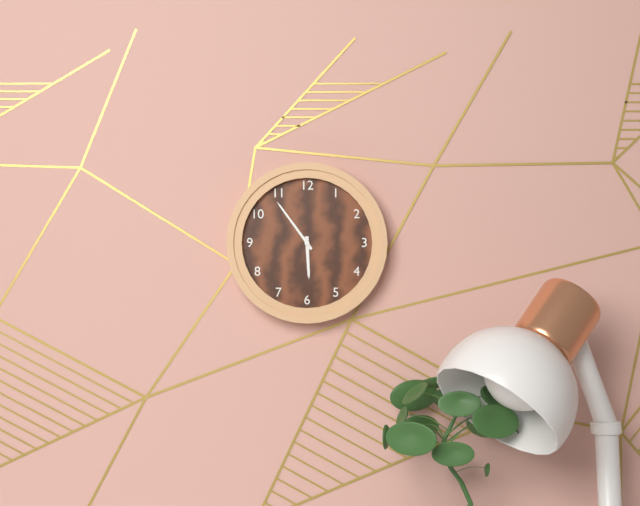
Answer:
{"hour": 5, "minute": 54}
